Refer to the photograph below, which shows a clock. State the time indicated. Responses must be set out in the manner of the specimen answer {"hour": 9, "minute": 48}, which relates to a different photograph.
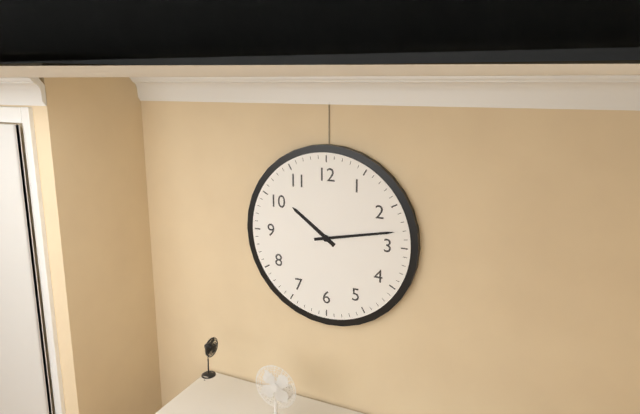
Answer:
{"hour": 10, "minute": 13}
